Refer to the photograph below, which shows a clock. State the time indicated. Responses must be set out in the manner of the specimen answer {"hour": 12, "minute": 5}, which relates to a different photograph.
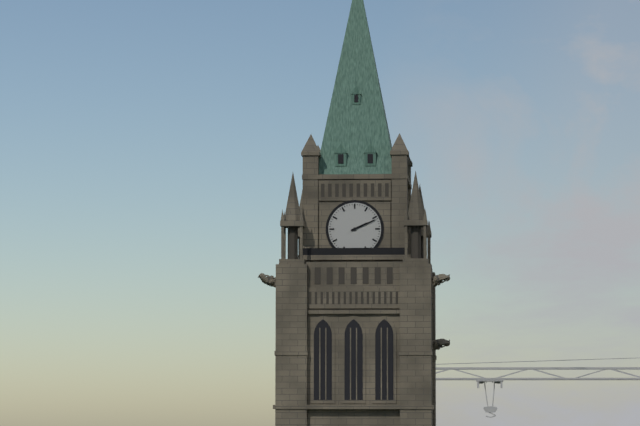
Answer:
{"hour": 2, "minute": 11}
